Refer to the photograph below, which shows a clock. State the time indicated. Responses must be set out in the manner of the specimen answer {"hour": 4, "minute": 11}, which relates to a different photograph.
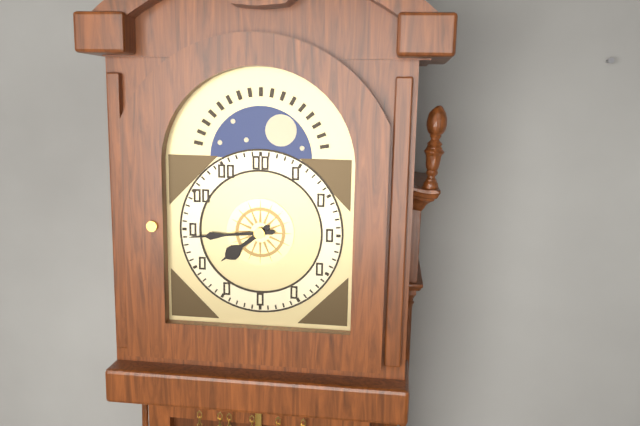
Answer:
{"hour": 7, "minute": 44}
